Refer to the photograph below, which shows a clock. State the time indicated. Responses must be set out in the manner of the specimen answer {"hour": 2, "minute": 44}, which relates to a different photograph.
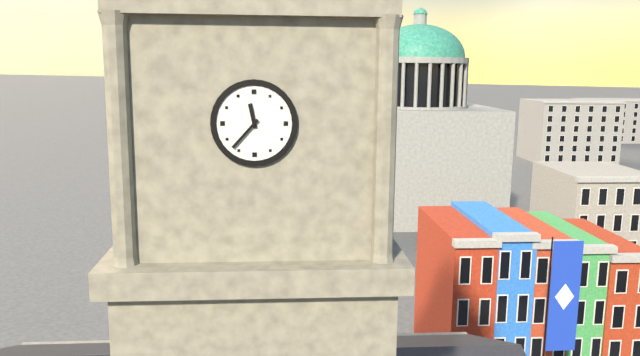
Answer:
{"hour": 11, "minute": 37}
